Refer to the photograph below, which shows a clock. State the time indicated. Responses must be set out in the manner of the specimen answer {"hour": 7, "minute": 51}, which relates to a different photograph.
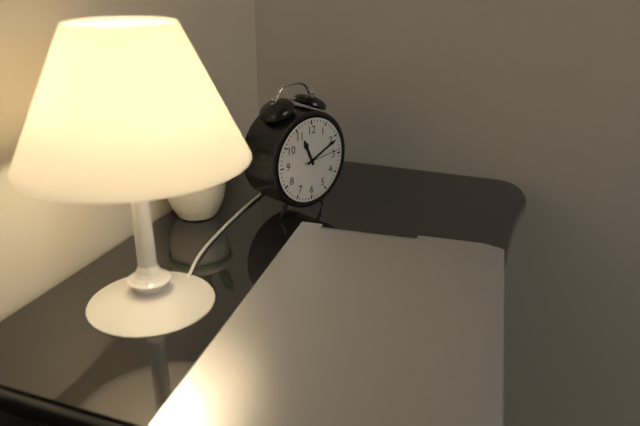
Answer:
{"hour": 11, "minute": 11}
